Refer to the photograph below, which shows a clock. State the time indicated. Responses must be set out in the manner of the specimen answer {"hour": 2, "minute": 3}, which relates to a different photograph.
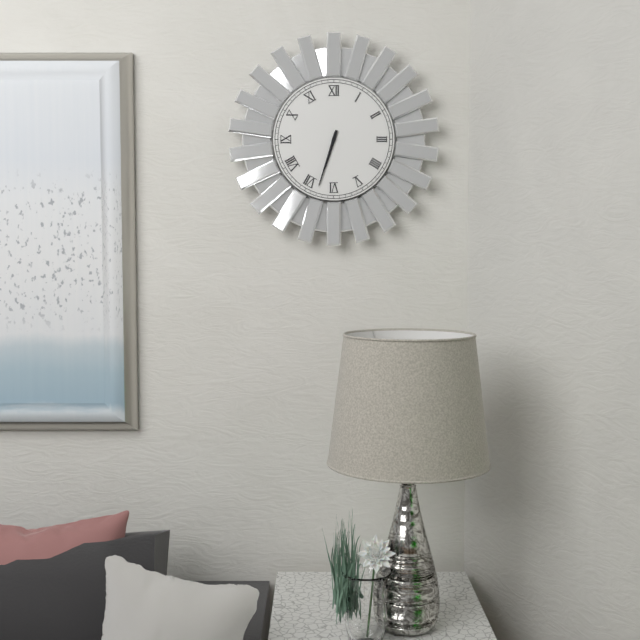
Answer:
{"hour": 6, "minute": 33}
